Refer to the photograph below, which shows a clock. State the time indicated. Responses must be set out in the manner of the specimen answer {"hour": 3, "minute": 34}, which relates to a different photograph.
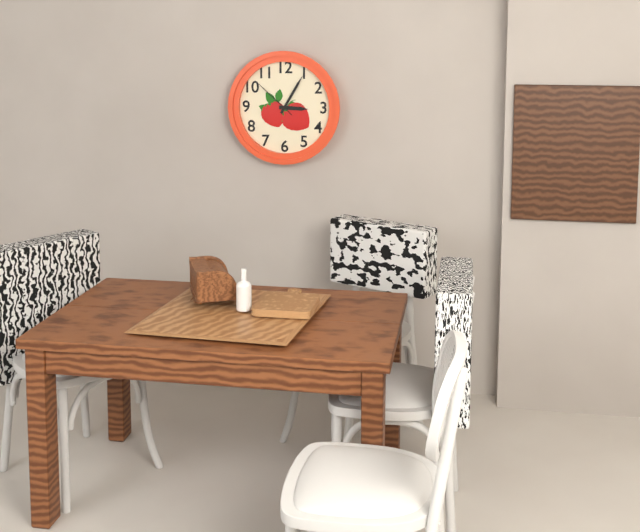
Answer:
{"hour": 3, "minute": 5}
